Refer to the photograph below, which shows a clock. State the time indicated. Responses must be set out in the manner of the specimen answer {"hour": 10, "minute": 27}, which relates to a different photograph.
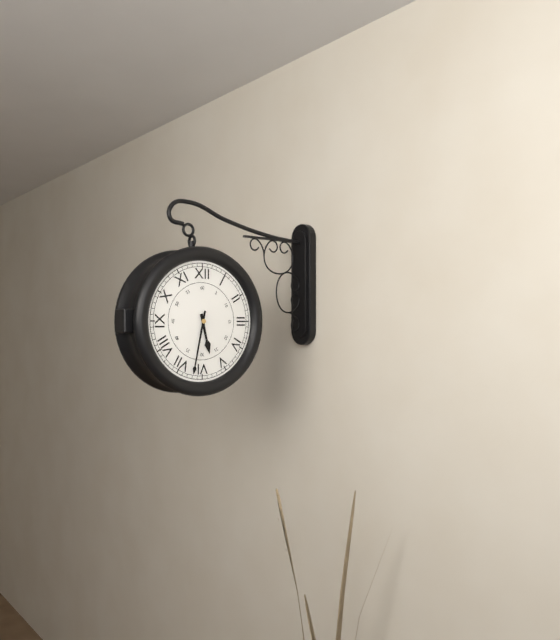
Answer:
{"hour": 5, "minute": 32}
